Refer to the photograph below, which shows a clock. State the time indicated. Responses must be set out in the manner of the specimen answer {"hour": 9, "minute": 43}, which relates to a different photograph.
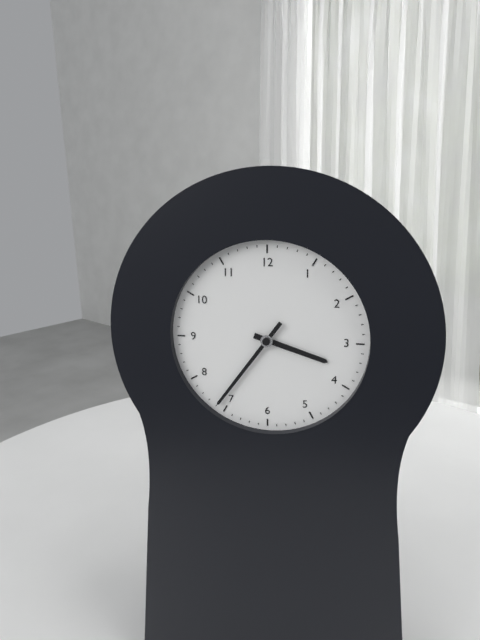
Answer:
{"hour": 3, "minute": 36}
